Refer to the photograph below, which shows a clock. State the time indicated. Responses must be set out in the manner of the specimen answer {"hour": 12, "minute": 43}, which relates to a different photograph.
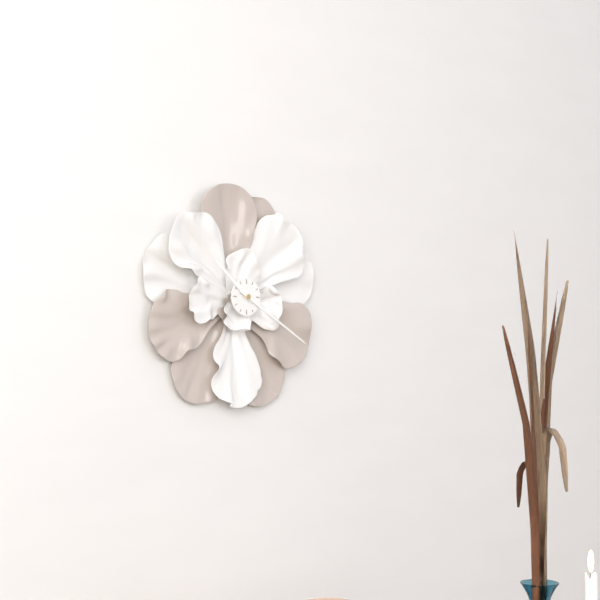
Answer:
{"hour": 10, "minute": 20}
